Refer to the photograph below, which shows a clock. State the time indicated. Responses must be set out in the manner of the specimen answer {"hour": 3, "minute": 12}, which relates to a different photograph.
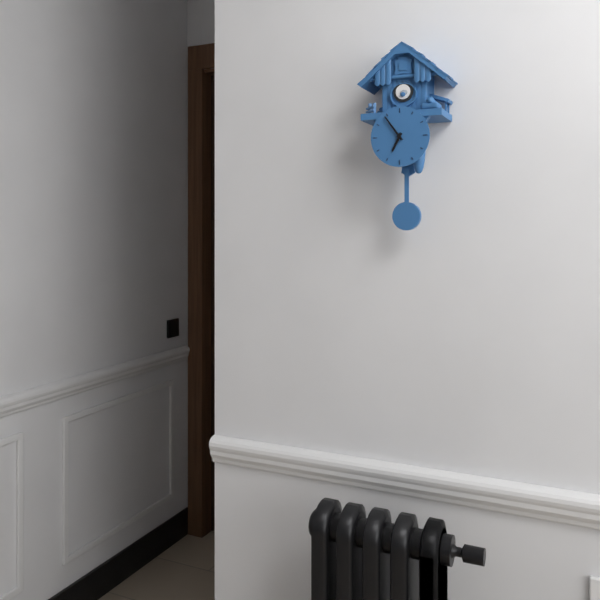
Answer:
{"hour": 6, "minute": 54}
